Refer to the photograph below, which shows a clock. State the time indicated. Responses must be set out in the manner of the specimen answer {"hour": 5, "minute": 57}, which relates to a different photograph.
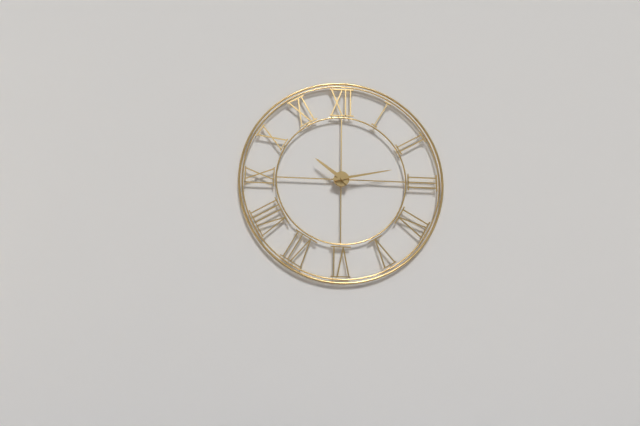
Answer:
{"hour": 10, "minute": 13}
